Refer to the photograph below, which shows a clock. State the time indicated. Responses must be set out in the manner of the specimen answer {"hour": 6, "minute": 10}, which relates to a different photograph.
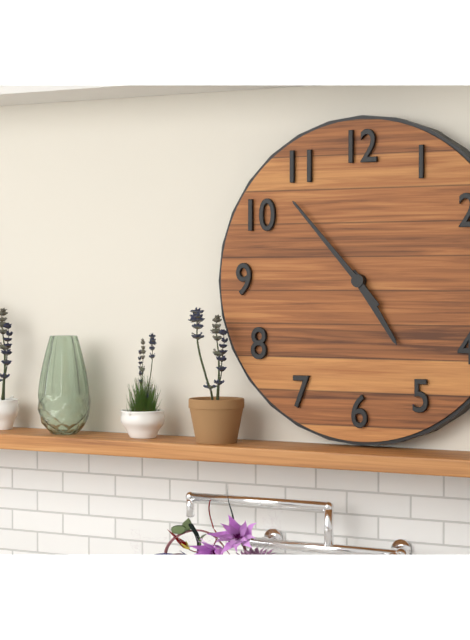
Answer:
{"hour": 4, "minute": 53}
